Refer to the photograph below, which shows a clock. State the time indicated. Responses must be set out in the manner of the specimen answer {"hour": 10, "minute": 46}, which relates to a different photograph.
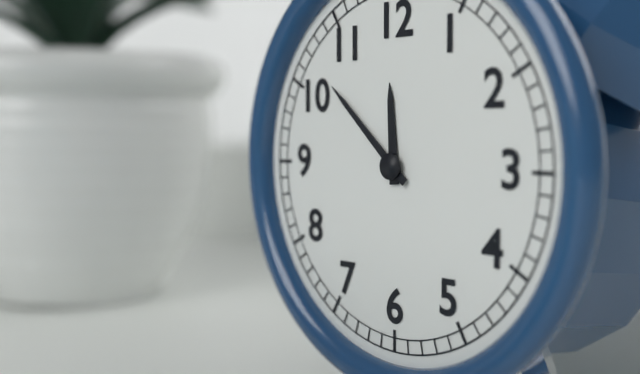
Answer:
{"hour": 11, "minute": 52}
